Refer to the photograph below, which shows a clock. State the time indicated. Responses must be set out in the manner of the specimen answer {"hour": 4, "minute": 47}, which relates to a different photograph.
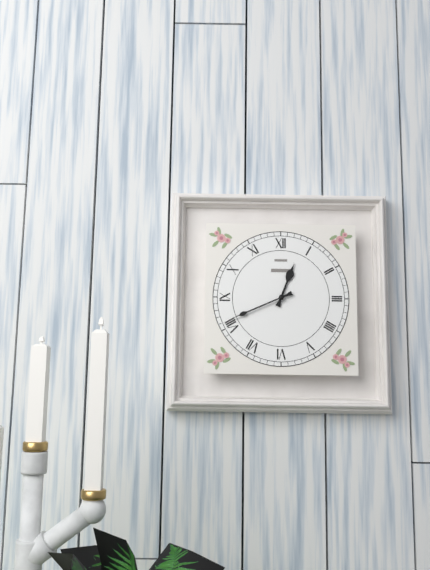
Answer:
{"hour": 12, "minute": 41}
